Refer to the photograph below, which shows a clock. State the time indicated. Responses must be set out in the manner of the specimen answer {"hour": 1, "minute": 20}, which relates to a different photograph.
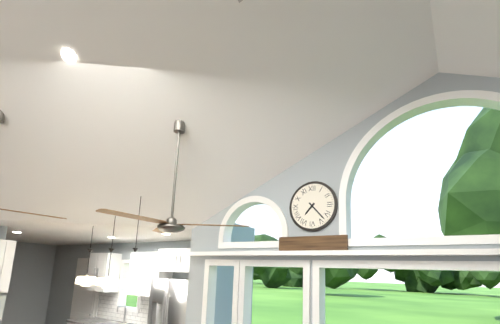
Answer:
{"hour": 7, "minute": 23}
